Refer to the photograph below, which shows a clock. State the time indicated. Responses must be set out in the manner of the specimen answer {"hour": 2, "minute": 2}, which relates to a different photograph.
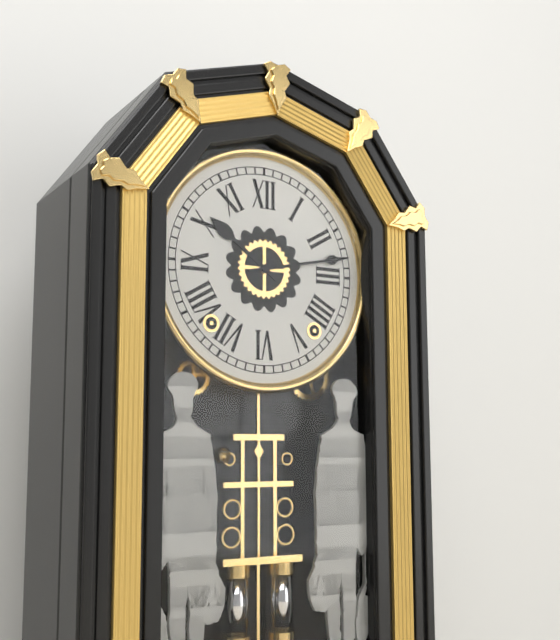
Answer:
{"hour": 10, "minute": 13}
